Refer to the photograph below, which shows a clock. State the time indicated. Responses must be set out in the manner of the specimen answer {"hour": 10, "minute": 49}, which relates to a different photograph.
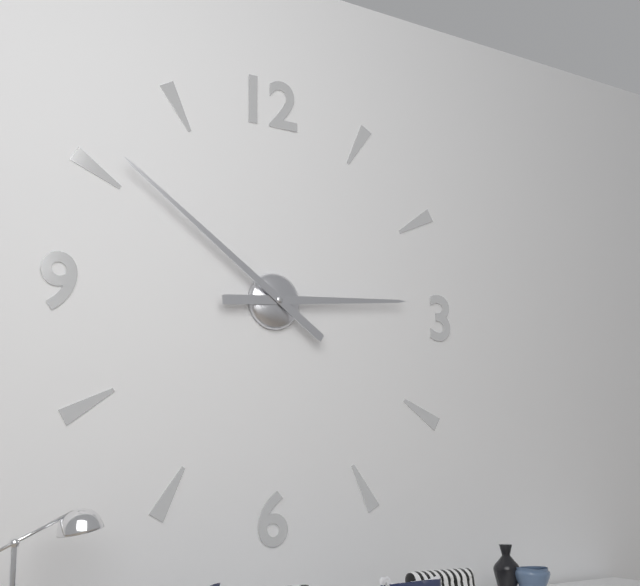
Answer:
{"hour": 2, "minute": 51}
